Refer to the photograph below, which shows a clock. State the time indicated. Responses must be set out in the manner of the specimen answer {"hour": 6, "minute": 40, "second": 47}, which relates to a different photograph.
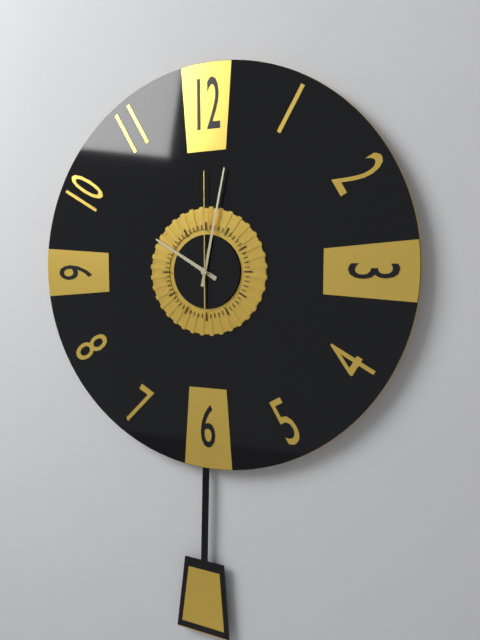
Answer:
{"hour": 10, "minute": 2, "second": 0}
